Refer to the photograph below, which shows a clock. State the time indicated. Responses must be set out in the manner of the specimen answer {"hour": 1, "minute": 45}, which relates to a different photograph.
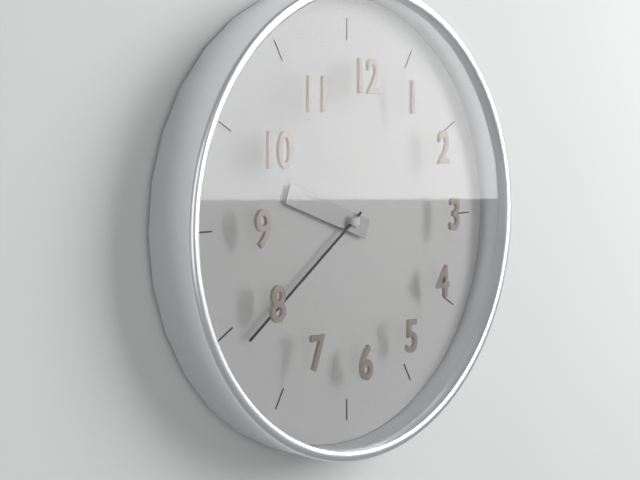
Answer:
{"hour": 9, "minute": 39}
